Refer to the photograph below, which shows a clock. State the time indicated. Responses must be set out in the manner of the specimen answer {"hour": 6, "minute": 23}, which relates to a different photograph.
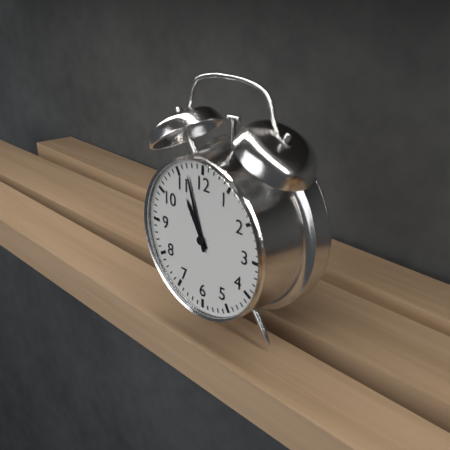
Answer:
{"hour": 10, "minute": 57}
